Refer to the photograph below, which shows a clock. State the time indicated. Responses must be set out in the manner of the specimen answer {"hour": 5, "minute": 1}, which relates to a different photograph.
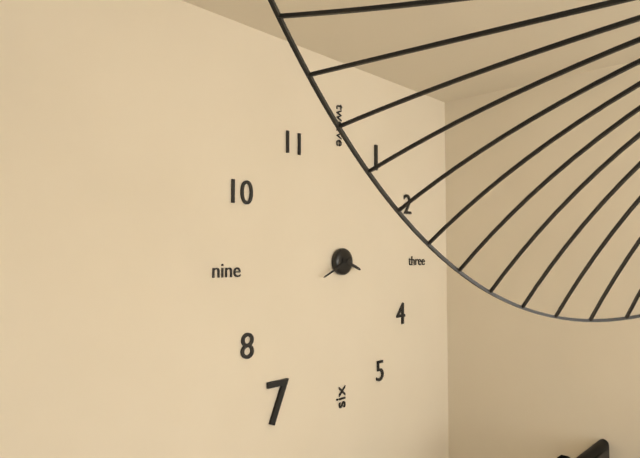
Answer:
{"hour": 3, "minute": 41}
